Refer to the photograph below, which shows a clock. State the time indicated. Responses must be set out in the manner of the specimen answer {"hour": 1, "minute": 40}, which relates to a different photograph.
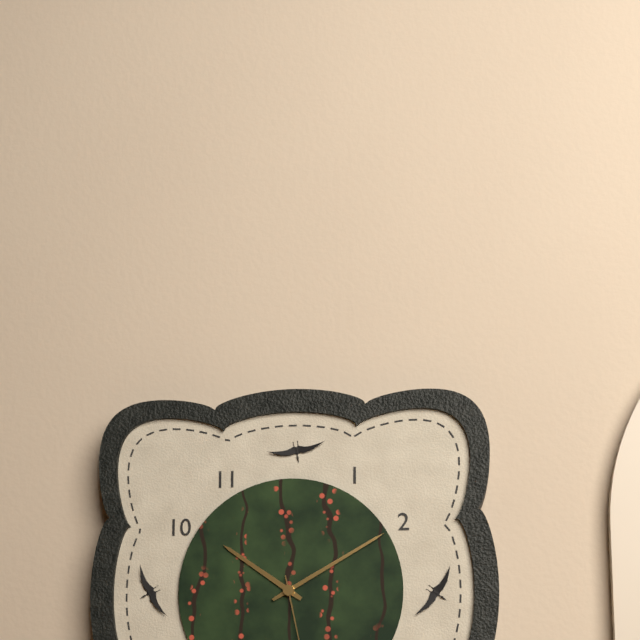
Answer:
{"hour": 10, "minute": 10}
